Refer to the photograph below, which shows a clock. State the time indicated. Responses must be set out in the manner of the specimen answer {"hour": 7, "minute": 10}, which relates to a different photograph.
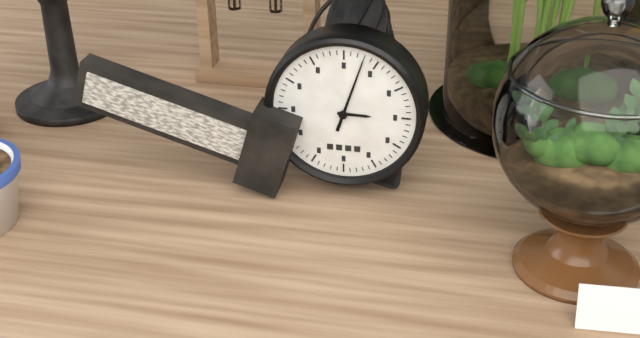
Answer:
{"hour": 3, "minute": 3}
